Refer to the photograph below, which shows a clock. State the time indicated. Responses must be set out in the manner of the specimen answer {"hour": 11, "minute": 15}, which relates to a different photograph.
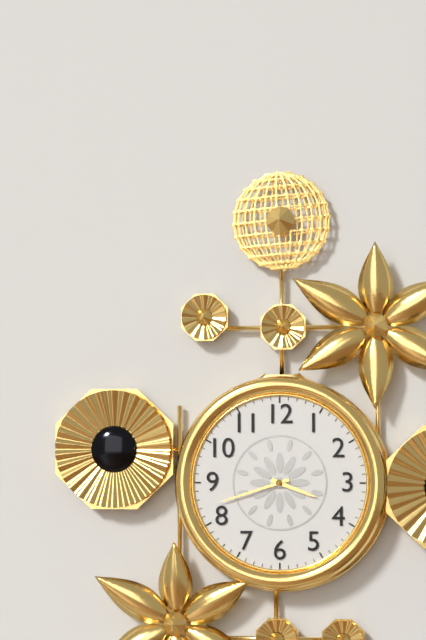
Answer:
{"hour": 3, "minute": 42}
